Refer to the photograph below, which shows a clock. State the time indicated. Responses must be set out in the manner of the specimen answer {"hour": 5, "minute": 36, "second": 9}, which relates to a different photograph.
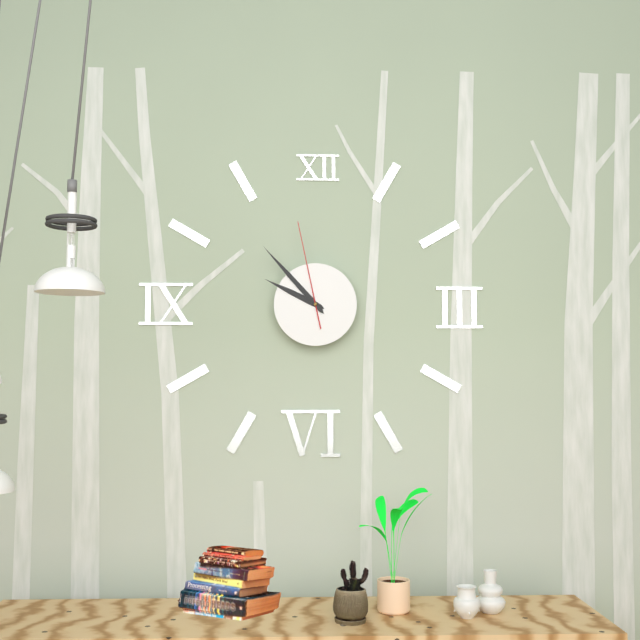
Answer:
{"hour": 9, "minute": 53, "second": 58}
